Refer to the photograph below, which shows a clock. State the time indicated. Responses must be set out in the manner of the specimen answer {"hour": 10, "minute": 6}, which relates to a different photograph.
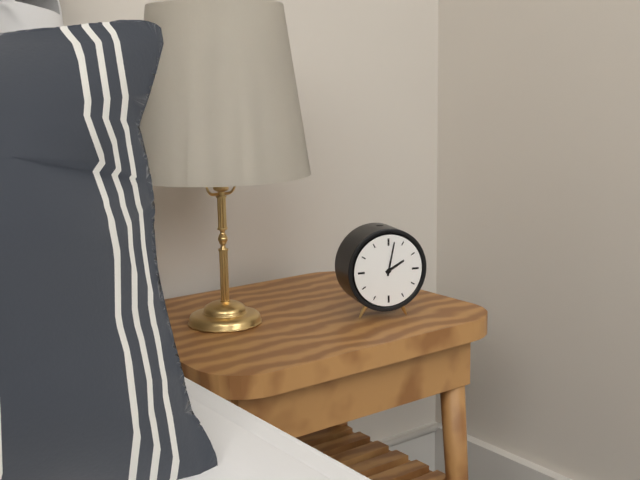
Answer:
{"hour": 2, "minute": 2}
